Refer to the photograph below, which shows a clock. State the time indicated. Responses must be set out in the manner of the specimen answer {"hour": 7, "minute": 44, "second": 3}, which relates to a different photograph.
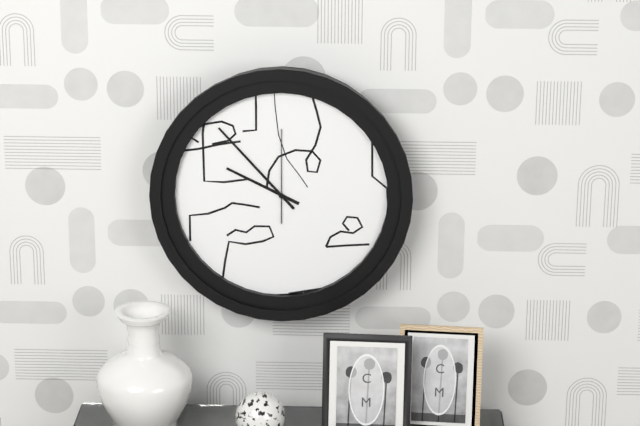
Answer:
{"hour": 9, "minute": 53, "second": 0}
